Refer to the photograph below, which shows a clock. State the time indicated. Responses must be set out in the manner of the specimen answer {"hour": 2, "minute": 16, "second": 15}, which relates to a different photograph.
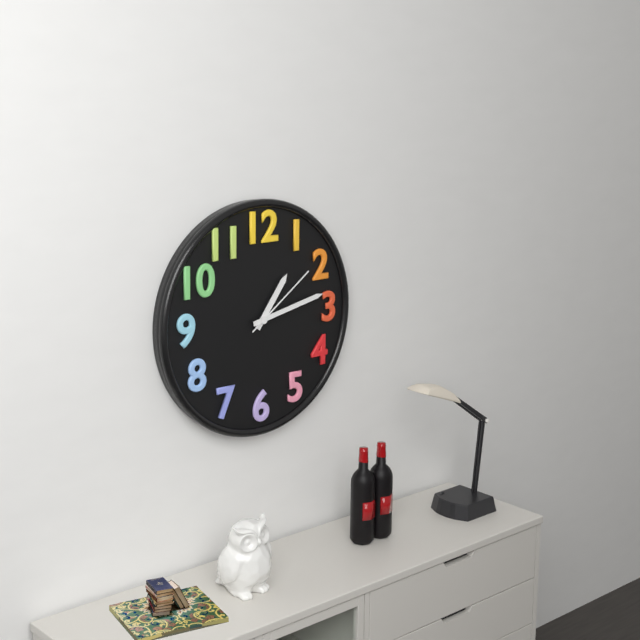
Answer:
{"hour": 1, "minute": 13, "second": 9}
